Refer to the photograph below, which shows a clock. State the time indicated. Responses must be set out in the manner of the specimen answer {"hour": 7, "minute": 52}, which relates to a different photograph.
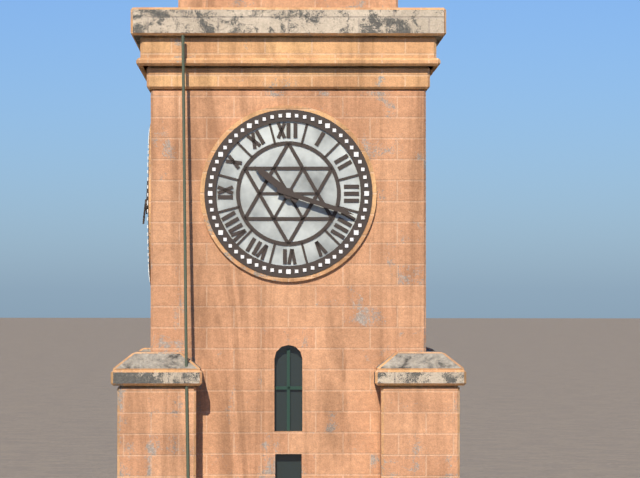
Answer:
{"hour": 10, "minute": 18}
